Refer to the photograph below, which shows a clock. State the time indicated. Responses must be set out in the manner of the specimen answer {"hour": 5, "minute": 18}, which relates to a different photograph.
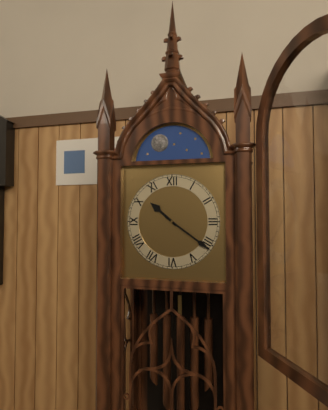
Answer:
{"hour": 10, "minute": 21}
